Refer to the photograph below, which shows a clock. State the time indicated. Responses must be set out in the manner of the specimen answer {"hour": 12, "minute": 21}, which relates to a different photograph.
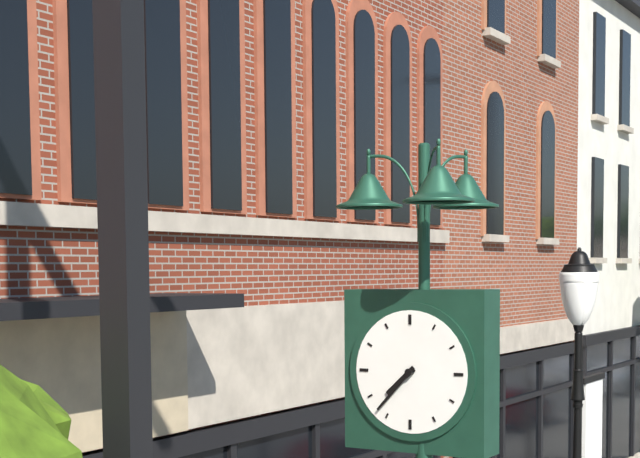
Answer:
{"hour": 7, "minute": 37}
